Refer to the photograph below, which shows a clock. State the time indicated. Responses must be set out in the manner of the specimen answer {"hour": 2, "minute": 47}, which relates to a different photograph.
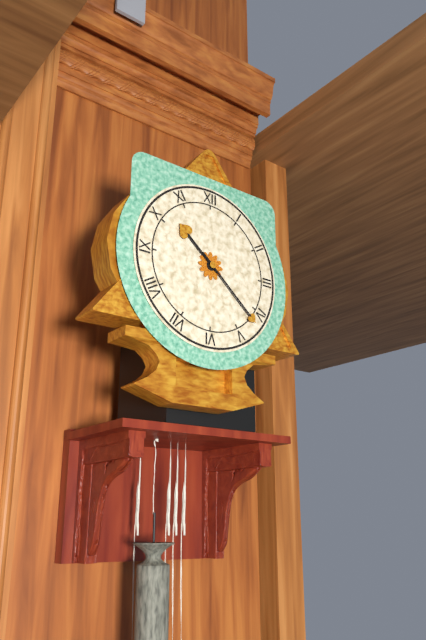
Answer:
{"hour": 10, "minute": 22}
